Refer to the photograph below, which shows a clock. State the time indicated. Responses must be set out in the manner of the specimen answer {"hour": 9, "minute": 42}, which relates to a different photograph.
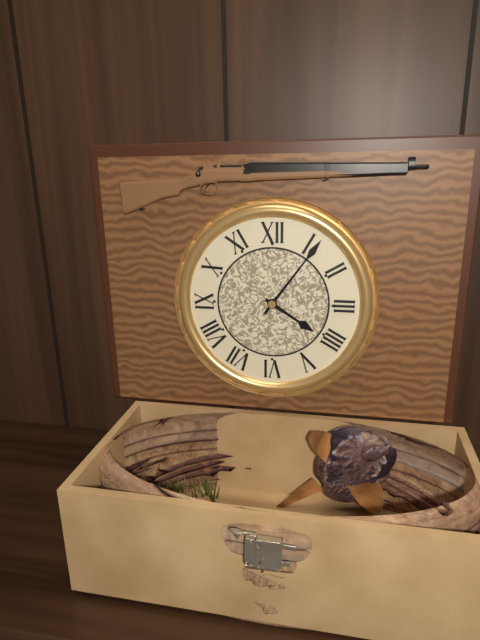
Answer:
{"hour": 4, "minute": 6}
